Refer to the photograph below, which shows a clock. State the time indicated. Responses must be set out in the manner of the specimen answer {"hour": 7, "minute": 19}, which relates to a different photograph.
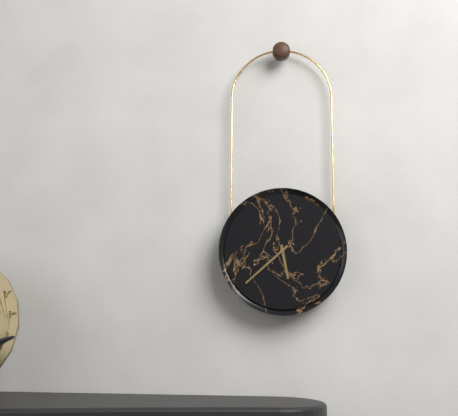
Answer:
{"hour": 5, "minute": 38}
